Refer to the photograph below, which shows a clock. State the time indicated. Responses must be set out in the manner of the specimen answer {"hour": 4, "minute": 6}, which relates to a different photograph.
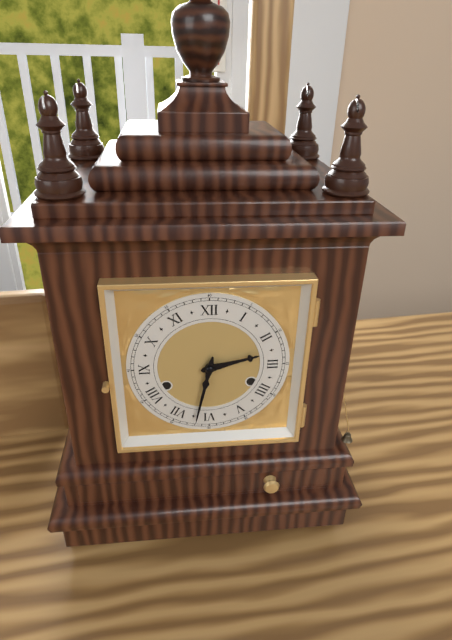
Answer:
{"hour": 2, "minute": 32}
